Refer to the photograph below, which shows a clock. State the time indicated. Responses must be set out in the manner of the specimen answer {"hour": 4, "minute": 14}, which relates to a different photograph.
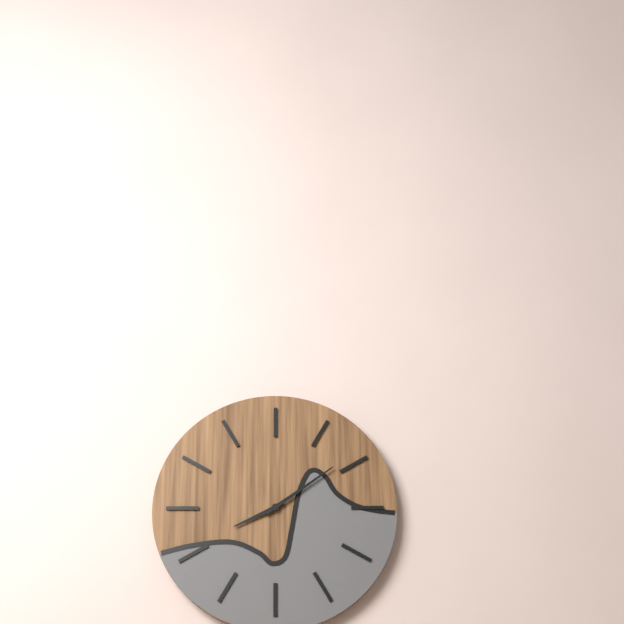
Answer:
{"hour": 8, "minute": 9}
